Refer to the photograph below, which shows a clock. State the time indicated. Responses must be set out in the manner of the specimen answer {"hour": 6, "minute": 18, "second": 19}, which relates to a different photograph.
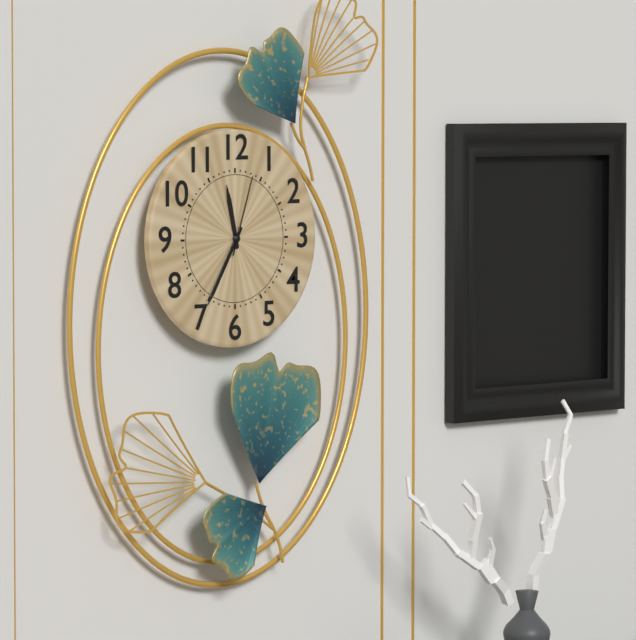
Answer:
{"hour": 11, "minute": 35, "second": 3}
